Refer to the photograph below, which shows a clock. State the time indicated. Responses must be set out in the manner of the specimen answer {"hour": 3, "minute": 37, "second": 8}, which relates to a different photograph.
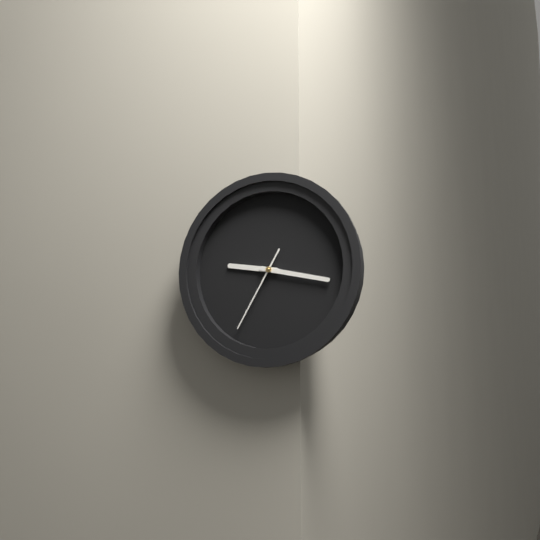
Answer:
{"hour": 9, "minute": 17, "second": 35}
